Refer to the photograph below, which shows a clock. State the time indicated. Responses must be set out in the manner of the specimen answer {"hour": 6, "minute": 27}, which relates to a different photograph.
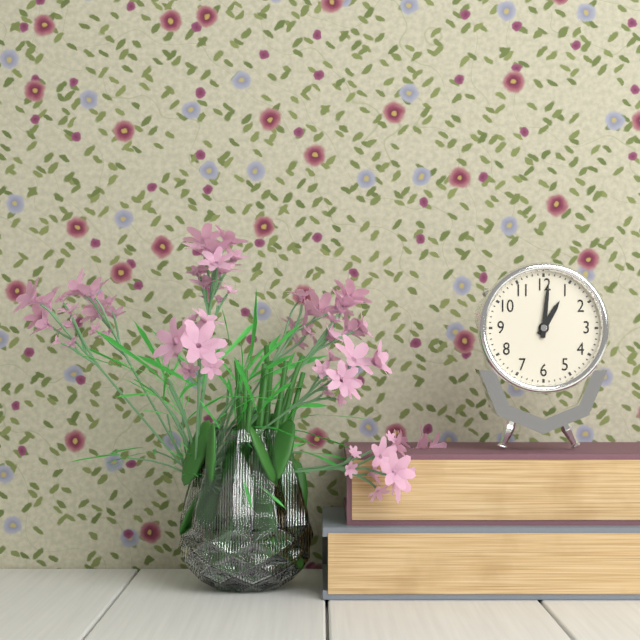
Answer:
{"hour": 1, "minute": 1}
